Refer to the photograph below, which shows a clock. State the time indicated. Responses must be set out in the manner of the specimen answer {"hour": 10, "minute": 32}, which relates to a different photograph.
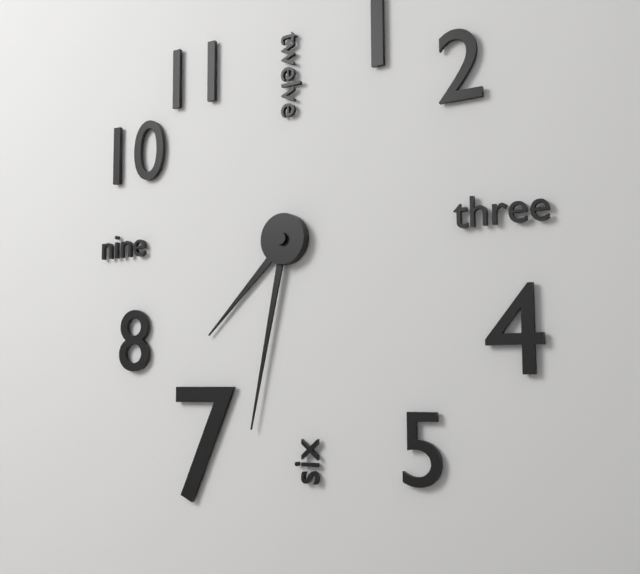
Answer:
{"hour": 7, "minute": 32}
